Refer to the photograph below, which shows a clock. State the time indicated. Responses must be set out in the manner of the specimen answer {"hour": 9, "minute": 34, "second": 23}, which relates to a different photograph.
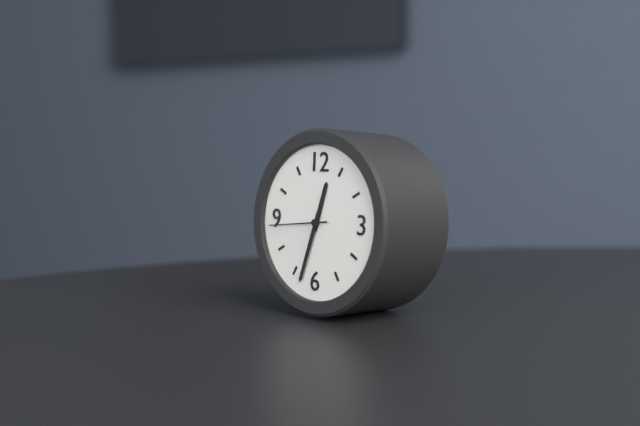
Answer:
{"hour": 12, "minute": 33, "second": 44}
